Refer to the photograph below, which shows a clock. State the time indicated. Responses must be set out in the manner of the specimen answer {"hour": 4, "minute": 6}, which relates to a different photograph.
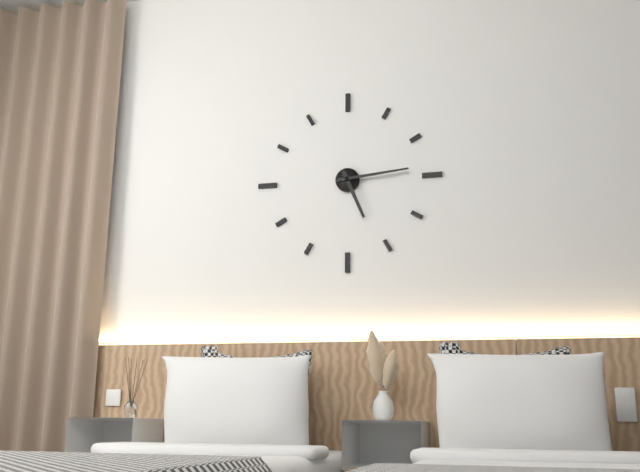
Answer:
{"hour": 5, "minute": 14}
